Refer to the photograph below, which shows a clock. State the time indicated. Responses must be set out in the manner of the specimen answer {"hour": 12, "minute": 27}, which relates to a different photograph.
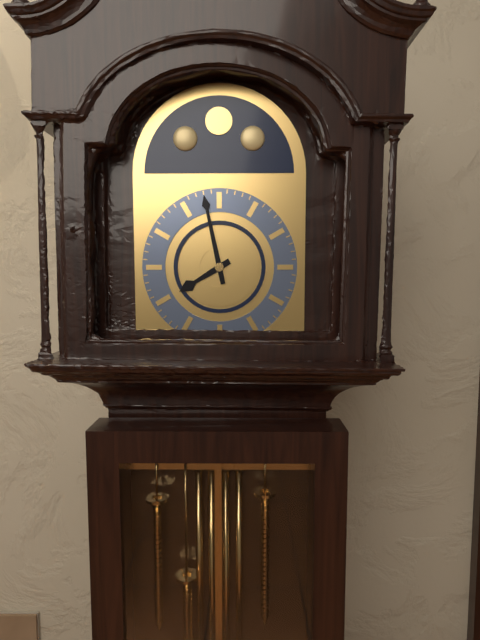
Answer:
{"hour": 7, "minute": 58}
